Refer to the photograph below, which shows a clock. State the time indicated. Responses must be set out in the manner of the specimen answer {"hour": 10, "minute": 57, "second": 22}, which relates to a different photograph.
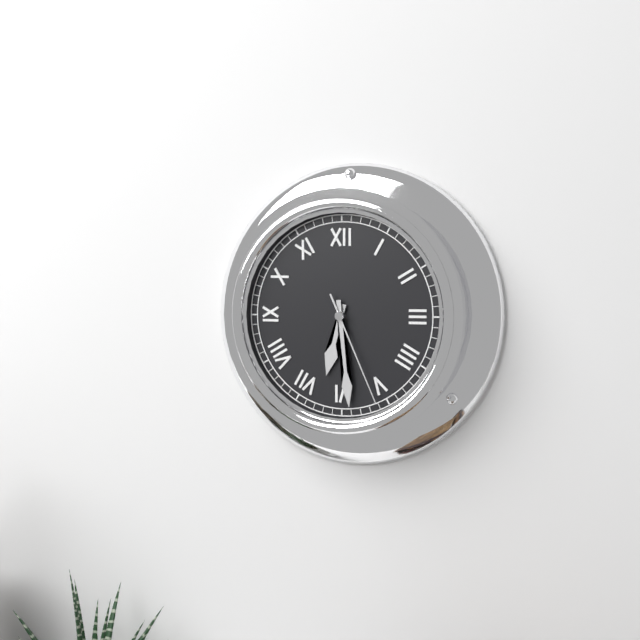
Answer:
{"hour": 6, "minute": 29, "second": 26}
